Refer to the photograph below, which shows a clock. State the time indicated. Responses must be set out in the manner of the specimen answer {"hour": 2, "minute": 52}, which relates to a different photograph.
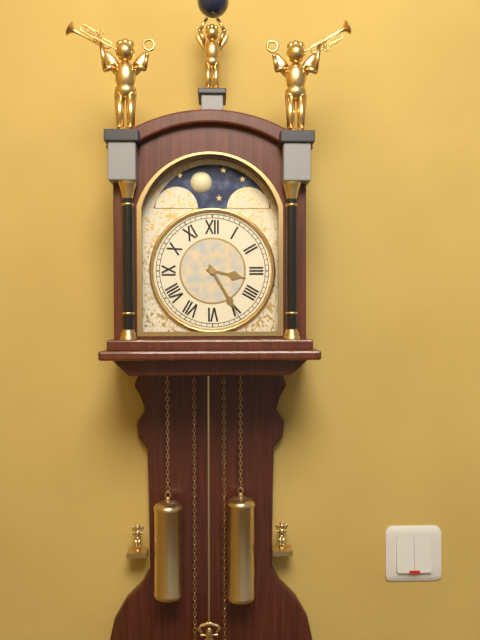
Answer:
{"hour": 3, "minute": 25}
